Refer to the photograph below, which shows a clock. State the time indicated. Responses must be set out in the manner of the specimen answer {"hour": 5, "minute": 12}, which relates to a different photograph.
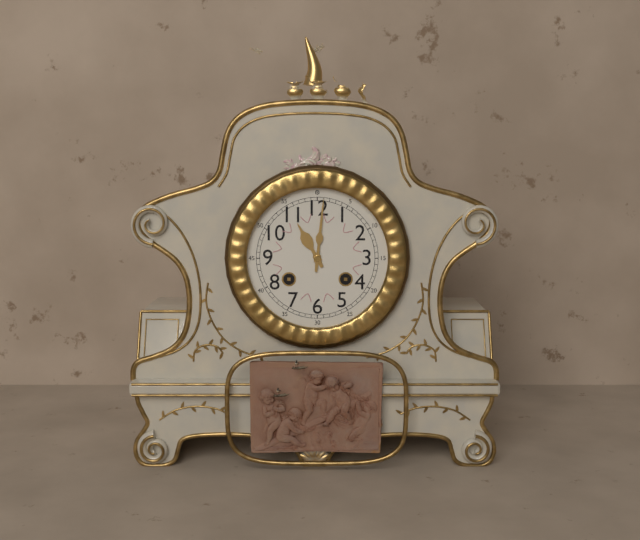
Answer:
{"hour": 11, "minute": 1}
